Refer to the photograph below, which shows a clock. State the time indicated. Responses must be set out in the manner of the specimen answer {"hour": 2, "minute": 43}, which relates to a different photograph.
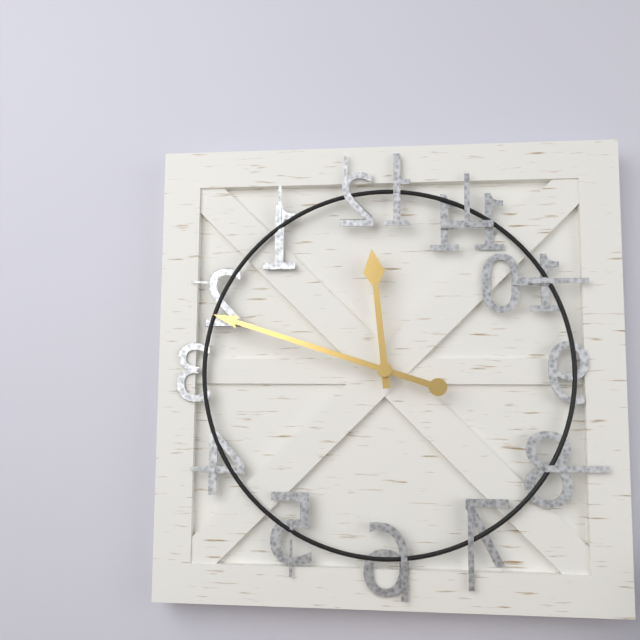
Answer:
{"hour": 11, "minute": 48}
